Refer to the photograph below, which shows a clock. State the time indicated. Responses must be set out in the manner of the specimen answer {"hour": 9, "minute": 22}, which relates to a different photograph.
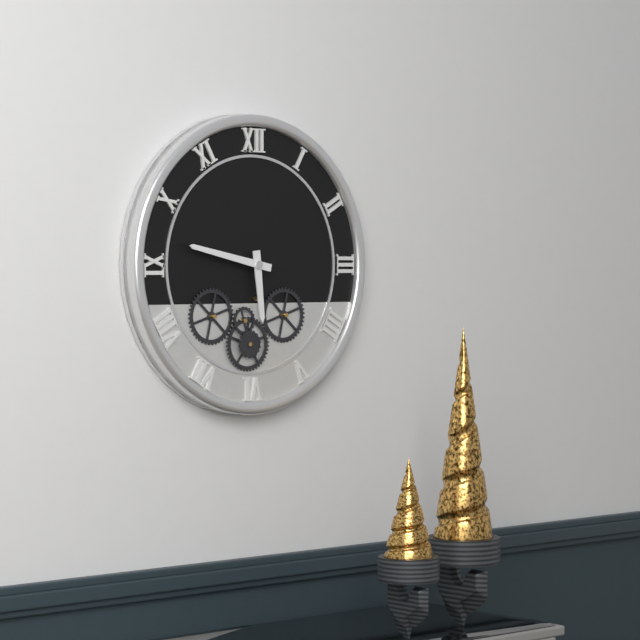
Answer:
{"hour": 5, "minute": 47}
